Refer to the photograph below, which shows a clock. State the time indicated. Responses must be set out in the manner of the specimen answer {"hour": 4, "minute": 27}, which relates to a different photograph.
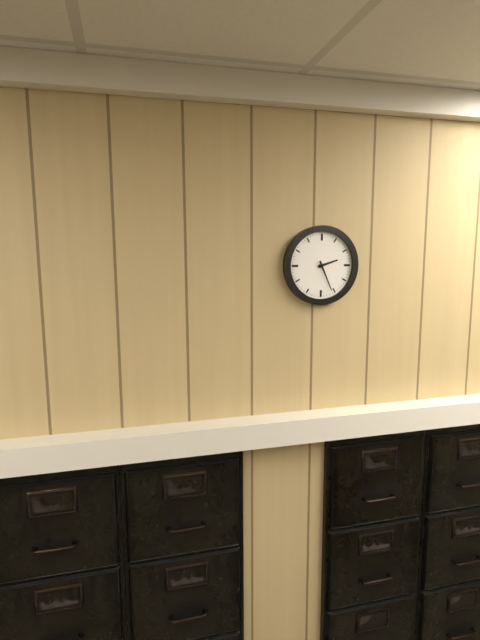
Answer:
{"hour": 2, "minute": 26}
